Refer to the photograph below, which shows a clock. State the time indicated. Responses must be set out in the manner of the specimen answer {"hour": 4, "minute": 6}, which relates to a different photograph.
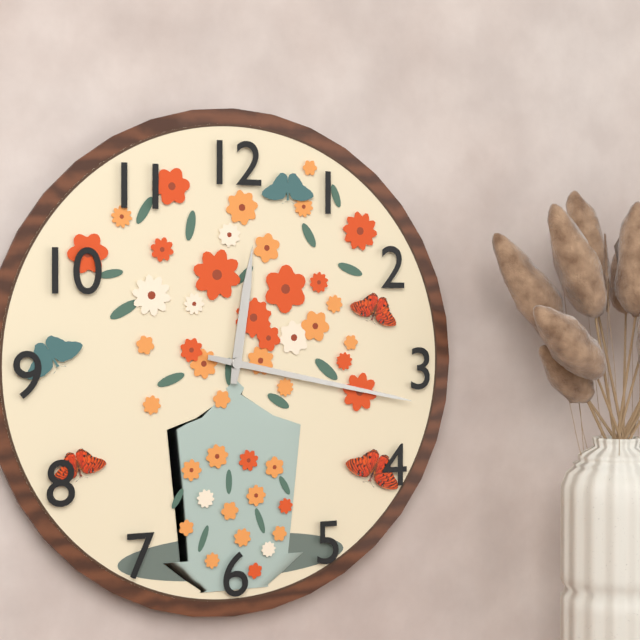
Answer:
{"hour": 12, "minute": 17}
